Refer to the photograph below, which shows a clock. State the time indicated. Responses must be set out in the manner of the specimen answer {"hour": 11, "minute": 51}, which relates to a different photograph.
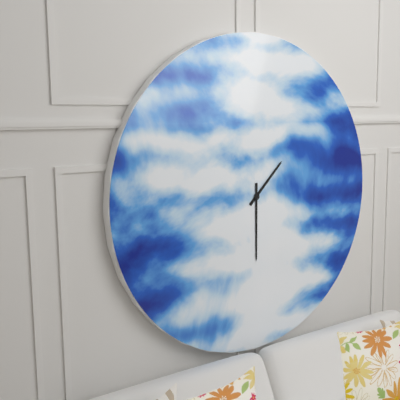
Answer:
{"hour": 1, "minute": 30}
